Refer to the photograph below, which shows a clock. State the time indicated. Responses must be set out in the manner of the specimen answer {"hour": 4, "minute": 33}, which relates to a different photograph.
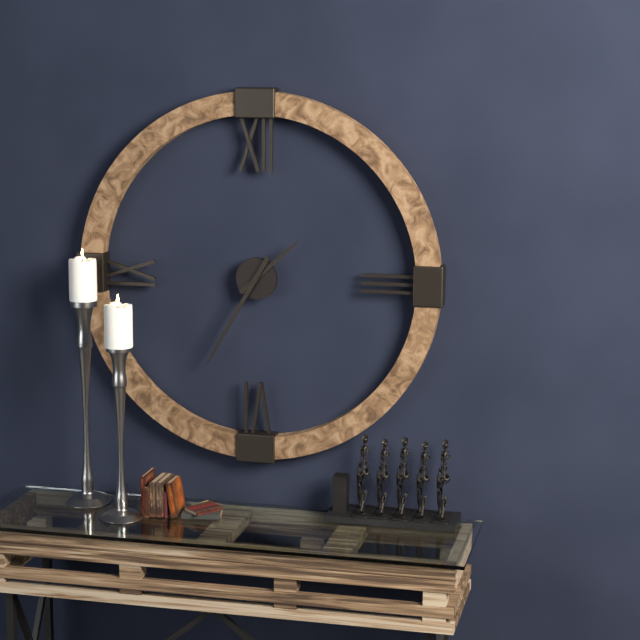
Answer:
{"hour": 1, "minute": 35}
